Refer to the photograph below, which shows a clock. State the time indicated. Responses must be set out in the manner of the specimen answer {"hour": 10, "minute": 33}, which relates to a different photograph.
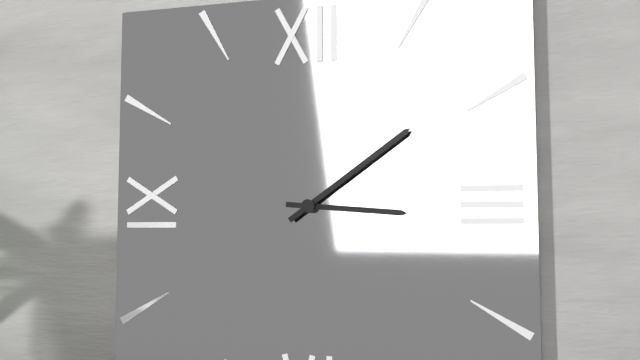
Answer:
{"hour": 3, "minute": 9}
